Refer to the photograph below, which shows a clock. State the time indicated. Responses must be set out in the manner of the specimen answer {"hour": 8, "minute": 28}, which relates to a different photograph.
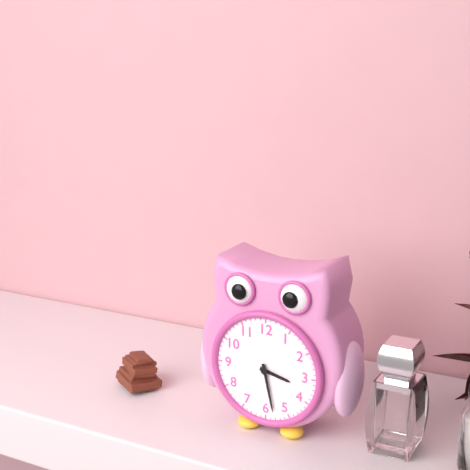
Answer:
{"hour": 3, "minute": 28}
